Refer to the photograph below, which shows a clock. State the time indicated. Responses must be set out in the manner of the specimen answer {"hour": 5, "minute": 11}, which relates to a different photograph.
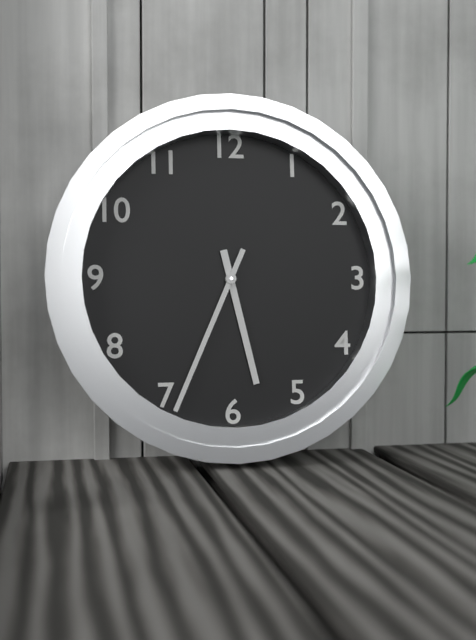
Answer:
{"hour": 5, "minute": 34}
